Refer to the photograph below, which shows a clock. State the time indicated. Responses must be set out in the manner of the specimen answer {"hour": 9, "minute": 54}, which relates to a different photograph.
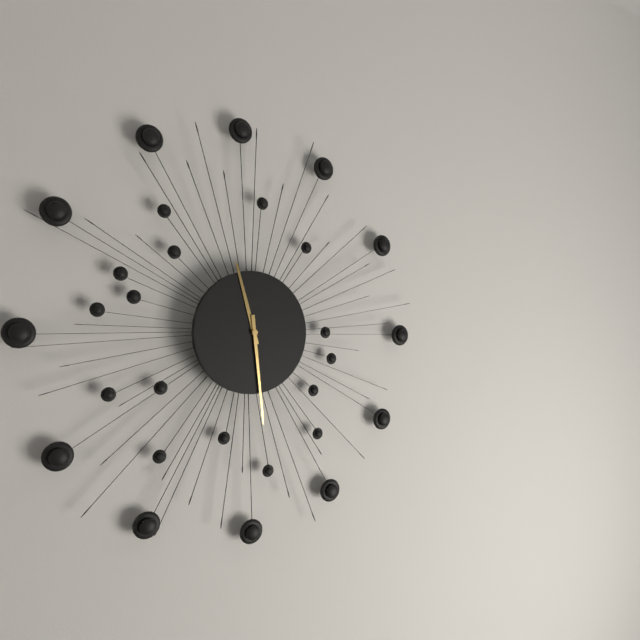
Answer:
{"hour": 11, "minute": 29}
